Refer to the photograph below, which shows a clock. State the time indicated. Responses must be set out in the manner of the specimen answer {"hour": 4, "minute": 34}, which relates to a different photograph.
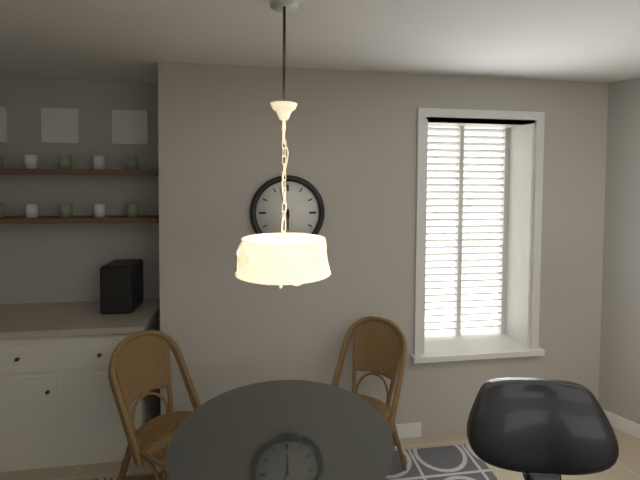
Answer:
{"hour": 5, "minute": 57}
